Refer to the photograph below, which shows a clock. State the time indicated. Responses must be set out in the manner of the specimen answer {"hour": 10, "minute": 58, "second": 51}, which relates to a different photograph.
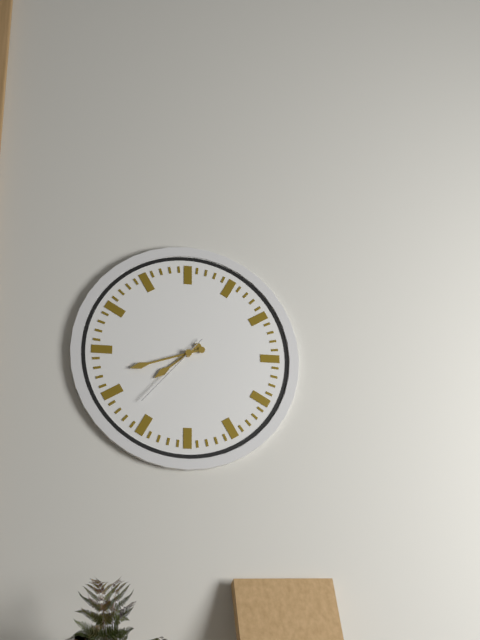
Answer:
{"hour": 7, "minute": 42, "second": 37}
